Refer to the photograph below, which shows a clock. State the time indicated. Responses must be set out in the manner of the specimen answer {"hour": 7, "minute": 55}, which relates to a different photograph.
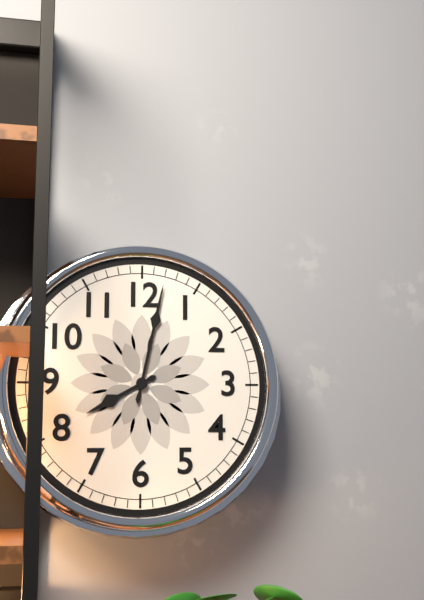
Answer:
{"hour": 8, "minute": 2}
